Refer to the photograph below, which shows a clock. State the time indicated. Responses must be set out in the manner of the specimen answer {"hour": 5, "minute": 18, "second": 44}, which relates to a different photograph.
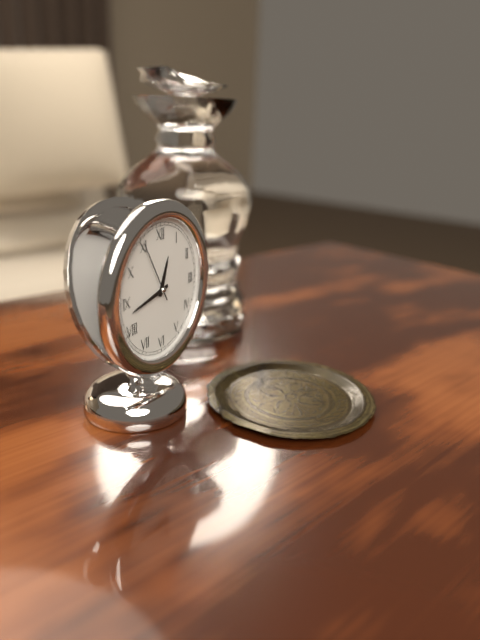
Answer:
{"hour": 12, "minute": 43, "second": 55}
